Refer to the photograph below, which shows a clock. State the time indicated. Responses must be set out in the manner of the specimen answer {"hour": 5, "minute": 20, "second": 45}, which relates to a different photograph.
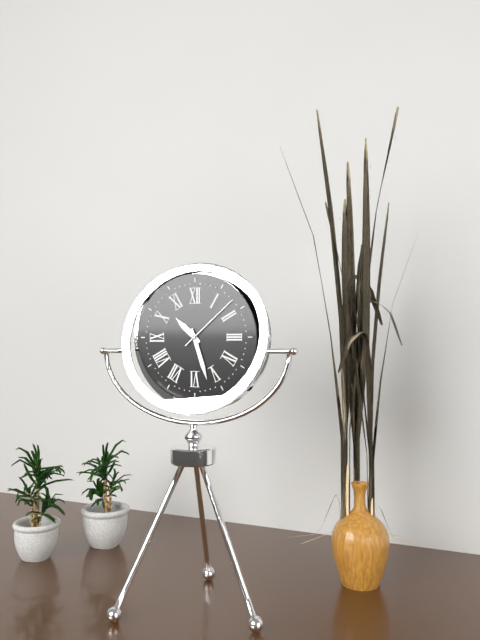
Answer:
{"hour": 10, "minute": 27, "second": 8}
